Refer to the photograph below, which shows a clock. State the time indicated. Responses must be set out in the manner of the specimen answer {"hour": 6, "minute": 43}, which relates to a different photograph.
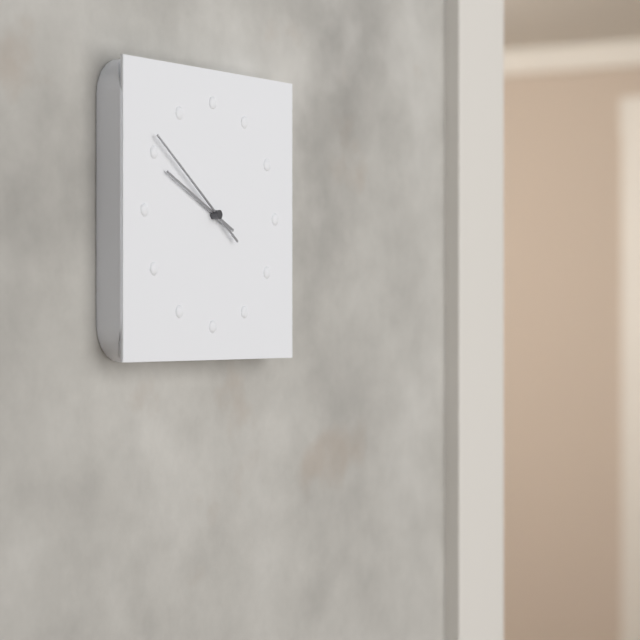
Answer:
{"hour": 9, "minute": 51}
